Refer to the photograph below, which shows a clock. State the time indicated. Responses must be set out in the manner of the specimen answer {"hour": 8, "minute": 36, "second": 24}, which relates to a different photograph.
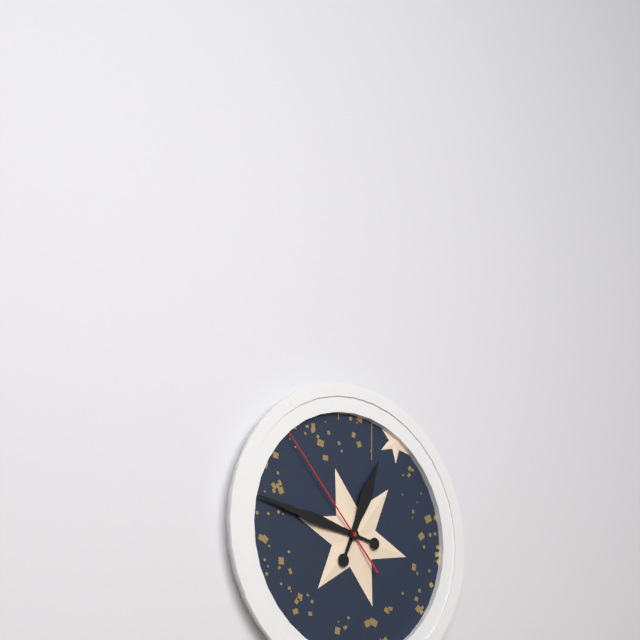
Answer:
{"hour": 12, "minute": 47, "second": 53}
